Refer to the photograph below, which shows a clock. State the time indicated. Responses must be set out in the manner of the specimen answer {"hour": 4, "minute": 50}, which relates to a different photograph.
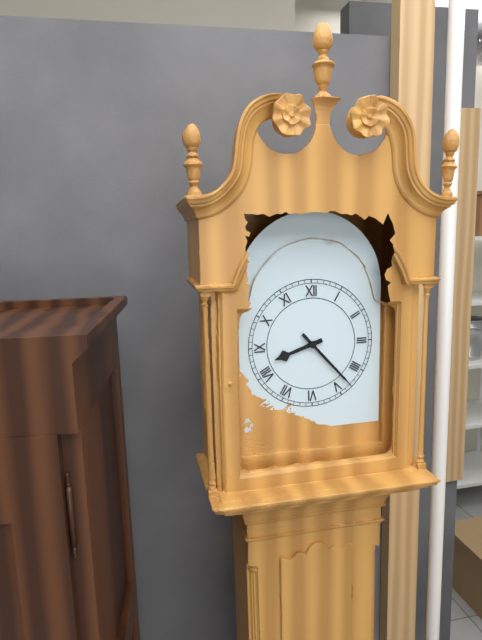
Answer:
{"hour": 8, "minute": 23}
